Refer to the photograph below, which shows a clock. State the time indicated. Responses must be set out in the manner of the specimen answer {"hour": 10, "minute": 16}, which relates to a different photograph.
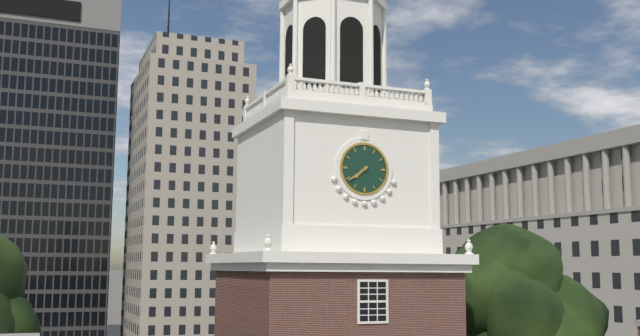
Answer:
{"hour": 7, "minute": 39}
